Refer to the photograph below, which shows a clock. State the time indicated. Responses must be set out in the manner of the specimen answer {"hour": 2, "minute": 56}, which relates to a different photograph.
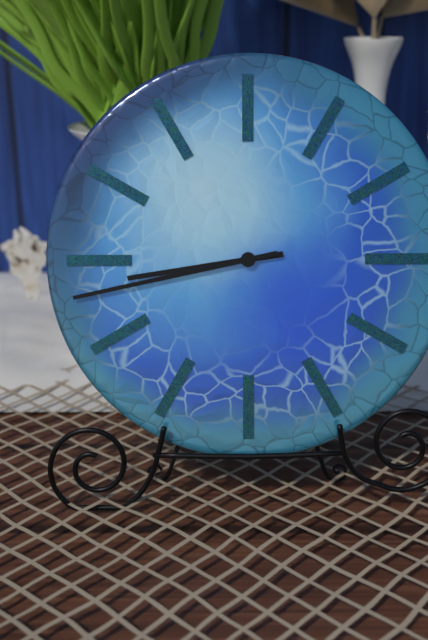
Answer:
{"hour": 8, "minute": 43}
